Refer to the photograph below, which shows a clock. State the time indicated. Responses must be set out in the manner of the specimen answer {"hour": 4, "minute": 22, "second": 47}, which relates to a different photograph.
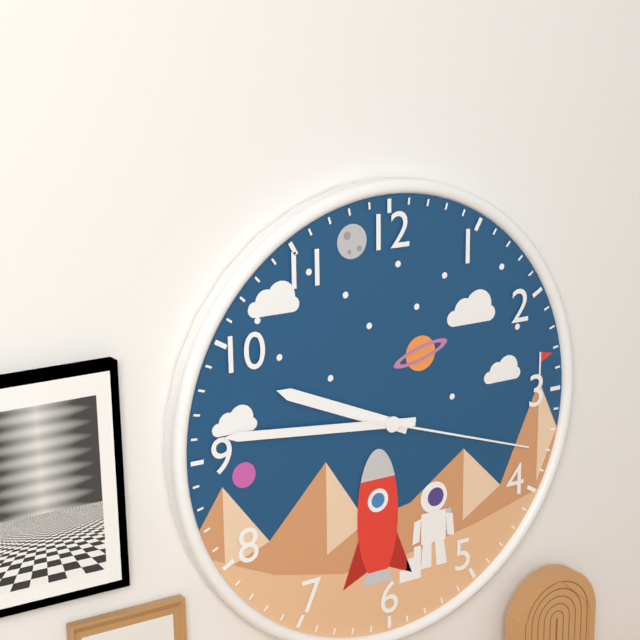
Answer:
{"hour": 9, "minute": 46, "second": 18}
